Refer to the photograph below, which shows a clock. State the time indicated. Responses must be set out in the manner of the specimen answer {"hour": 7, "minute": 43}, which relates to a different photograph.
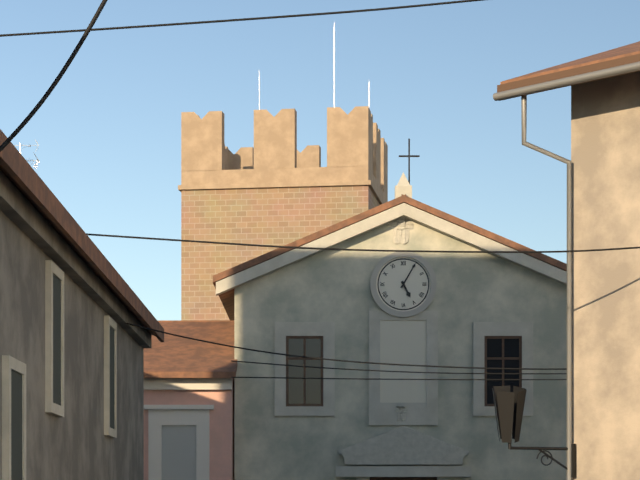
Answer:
{"hour": 5, "minute": 5}
